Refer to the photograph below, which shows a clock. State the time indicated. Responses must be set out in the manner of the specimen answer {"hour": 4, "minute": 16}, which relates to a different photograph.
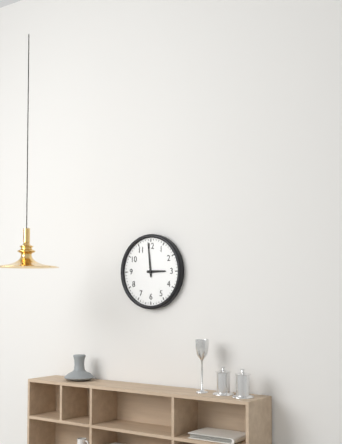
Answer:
{"hour": 2, "minute": 59}
